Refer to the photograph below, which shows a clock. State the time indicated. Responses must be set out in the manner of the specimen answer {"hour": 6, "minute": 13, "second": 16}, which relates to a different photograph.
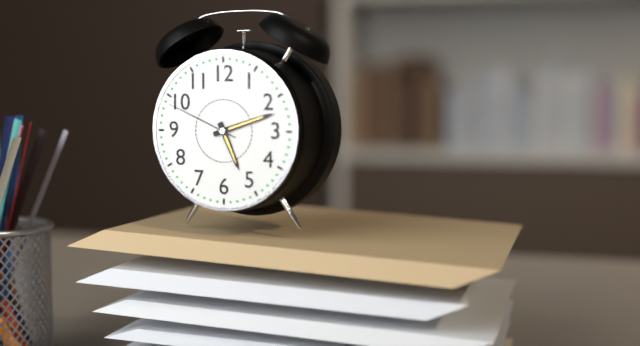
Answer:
{"hour": 5, "minute": 12, "second": 49}
